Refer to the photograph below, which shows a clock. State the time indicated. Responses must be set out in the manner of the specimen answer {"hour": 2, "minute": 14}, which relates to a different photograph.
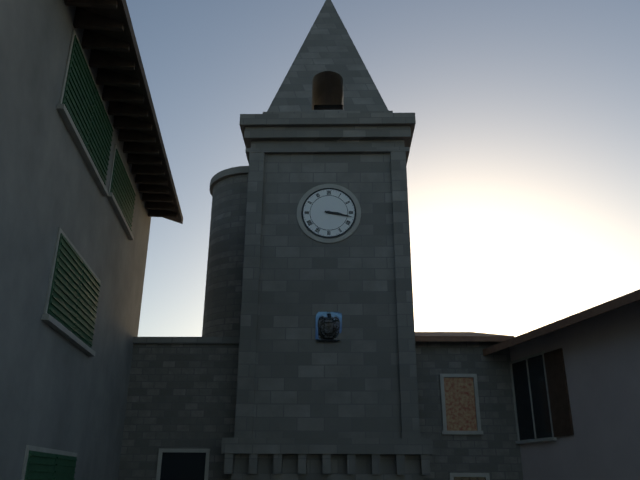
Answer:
{"hour": 3, "minute": 17}
